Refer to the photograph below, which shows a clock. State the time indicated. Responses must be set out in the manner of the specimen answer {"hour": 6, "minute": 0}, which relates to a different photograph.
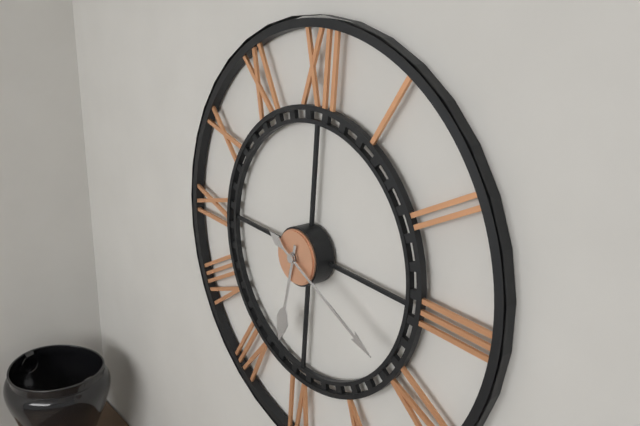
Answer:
{"hour": 6, "minute": 19}
